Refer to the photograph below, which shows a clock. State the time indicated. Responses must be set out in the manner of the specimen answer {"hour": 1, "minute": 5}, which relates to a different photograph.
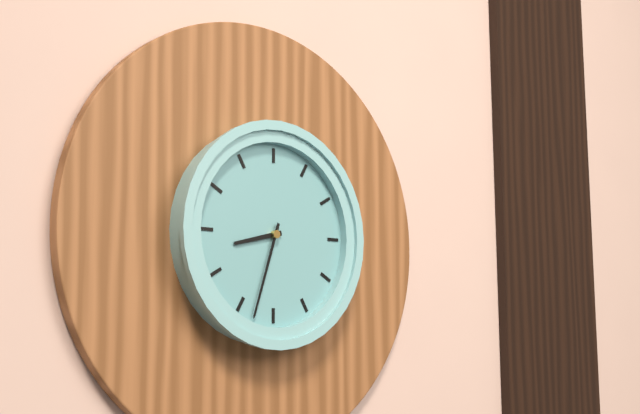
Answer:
{"hour": 8, "minute": 33}
